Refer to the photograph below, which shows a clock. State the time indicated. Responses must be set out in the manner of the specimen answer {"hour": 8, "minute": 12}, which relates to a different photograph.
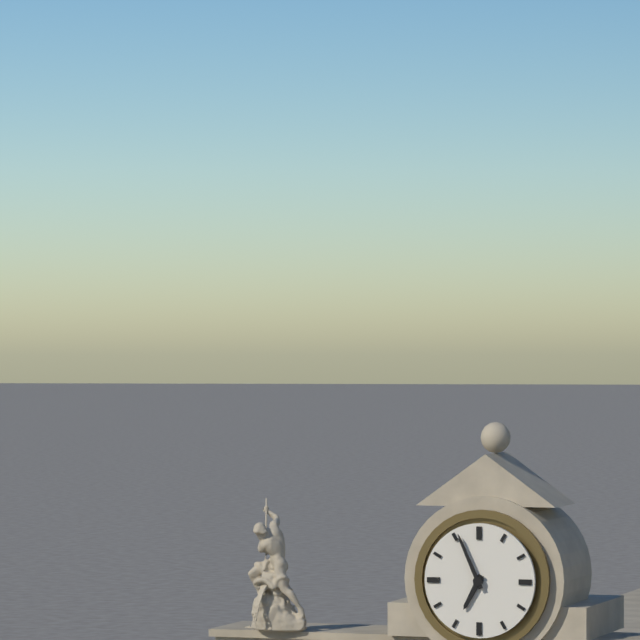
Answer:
{"hour": 6, "minute": 56}
